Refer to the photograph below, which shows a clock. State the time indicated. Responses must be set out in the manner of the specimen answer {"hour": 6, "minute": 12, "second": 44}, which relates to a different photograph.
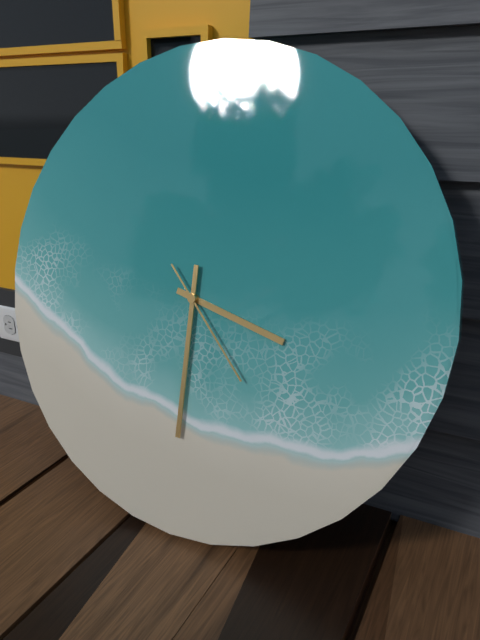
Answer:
{"hour": 3, "minute": 30, "second": 23}
